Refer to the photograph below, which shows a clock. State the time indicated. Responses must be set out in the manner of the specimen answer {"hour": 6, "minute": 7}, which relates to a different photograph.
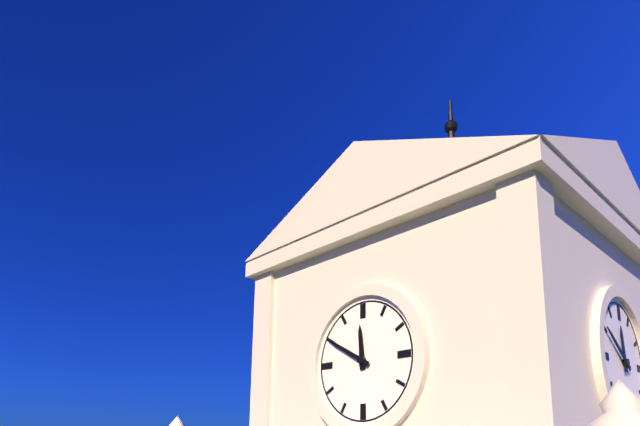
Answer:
{"hour": 11, "minute": 50}
